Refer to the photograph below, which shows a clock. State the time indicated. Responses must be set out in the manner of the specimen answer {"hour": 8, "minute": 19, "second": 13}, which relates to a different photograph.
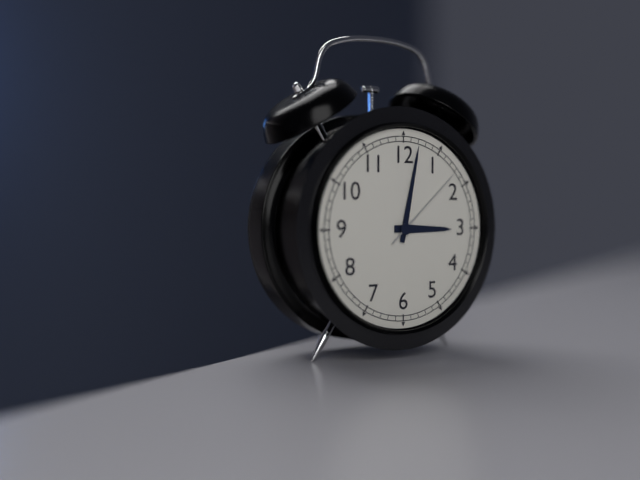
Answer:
{"hour": 3, "minute": 2, "second": 8}
